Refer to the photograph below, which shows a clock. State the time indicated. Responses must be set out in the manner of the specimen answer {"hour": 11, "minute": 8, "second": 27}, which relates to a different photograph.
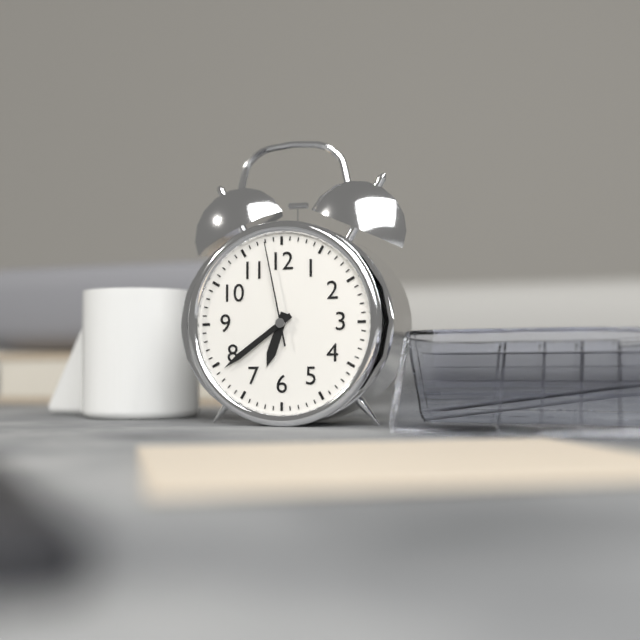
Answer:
{"hour": 6, "minute": 39, "second": 58}
